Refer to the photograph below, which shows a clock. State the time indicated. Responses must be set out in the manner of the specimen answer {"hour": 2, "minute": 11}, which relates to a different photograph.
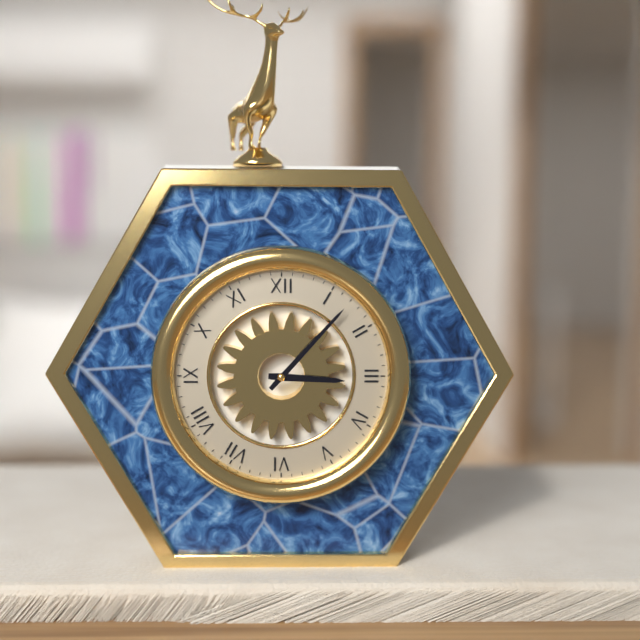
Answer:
{"hour": 3, "minute": 7}
